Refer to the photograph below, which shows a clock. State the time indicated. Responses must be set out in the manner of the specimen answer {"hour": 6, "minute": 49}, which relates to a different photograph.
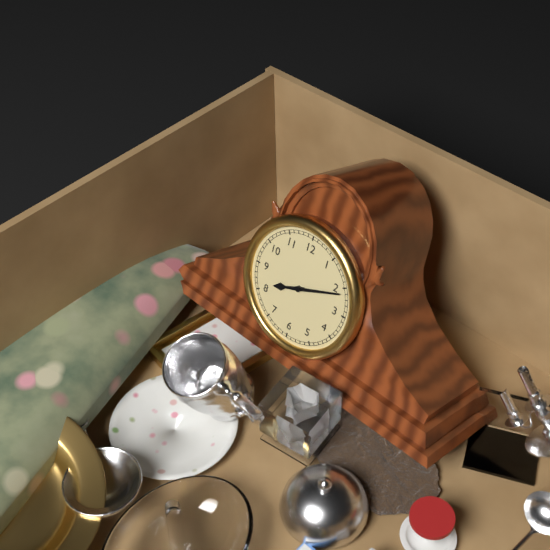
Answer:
{"hour": 8, "minute": 11}
